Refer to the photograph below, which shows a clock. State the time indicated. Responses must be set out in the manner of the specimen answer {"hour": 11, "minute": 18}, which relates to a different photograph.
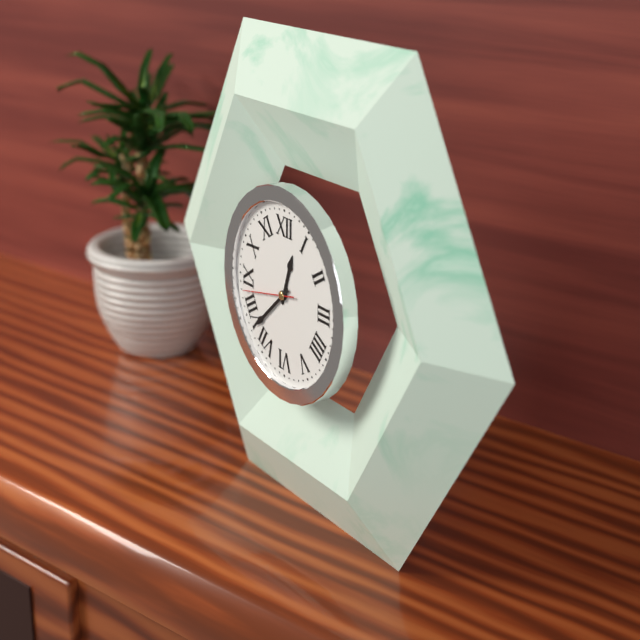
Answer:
{"hour": 12, "minute": 38}
